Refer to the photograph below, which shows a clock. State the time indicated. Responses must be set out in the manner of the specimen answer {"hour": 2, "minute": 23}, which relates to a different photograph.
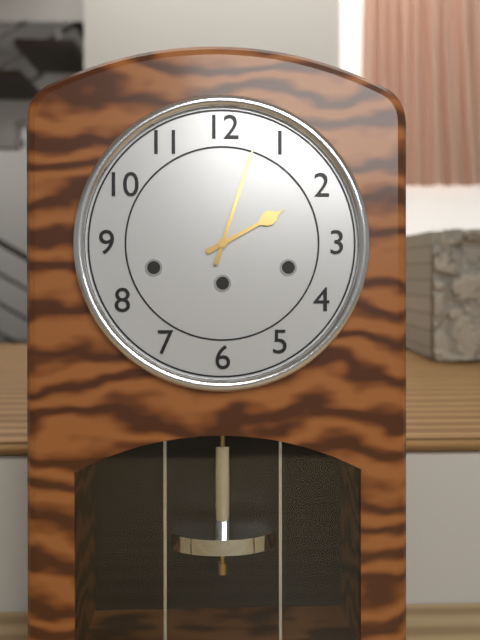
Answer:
{"hour": 2, "minute": 3}
